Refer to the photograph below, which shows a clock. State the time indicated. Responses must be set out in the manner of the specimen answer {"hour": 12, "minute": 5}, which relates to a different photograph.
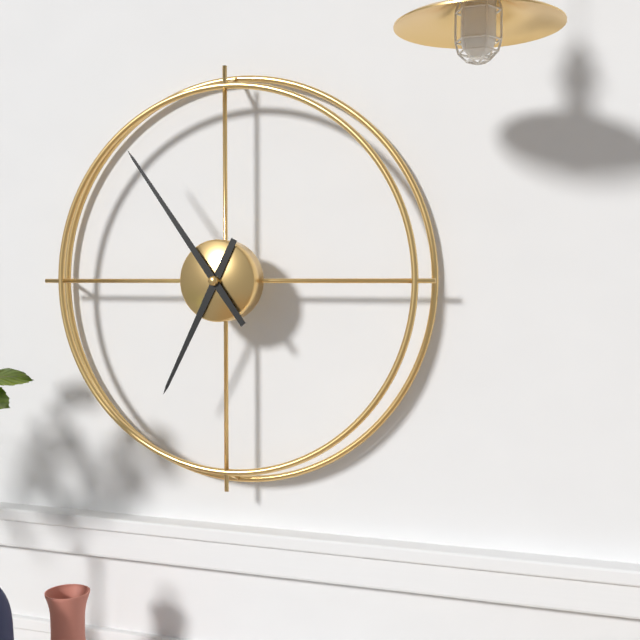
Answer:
{"hour": 6, "minute": 54}
